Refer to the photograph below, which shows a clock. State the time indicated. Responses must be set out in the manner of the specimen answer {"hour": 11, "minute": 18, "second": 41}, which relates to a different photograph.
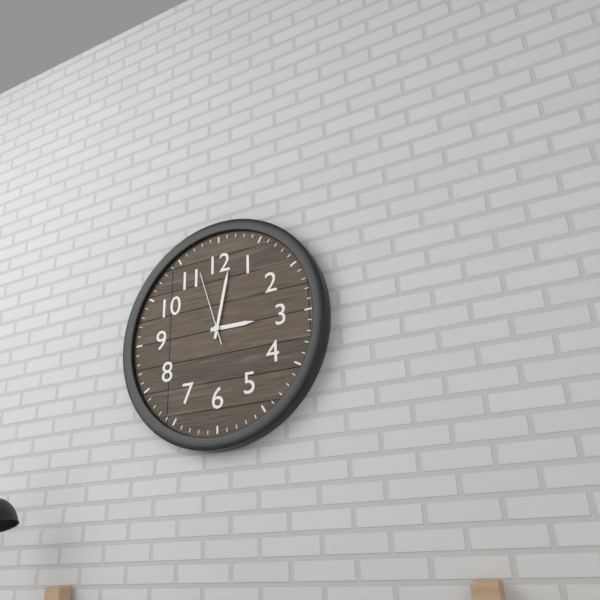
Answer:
{"hour": 3, "minute": 2, "second": 57}
